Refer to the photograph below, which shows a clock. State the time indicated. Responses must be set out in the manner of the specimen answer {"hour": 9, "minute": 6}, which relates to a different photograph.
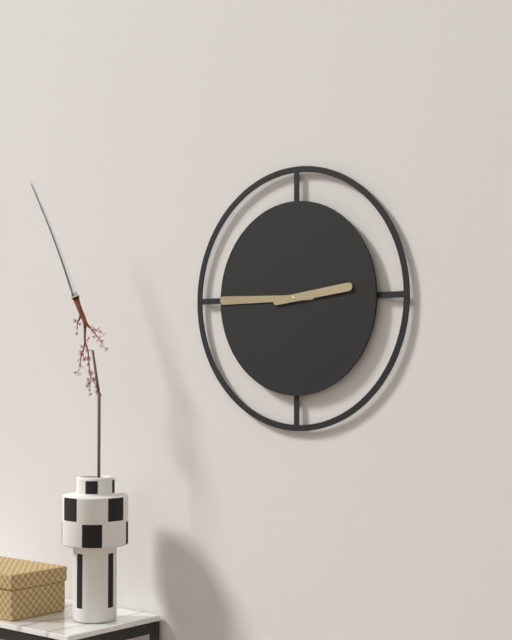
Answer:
{"hour": 2, "minute": 45}
